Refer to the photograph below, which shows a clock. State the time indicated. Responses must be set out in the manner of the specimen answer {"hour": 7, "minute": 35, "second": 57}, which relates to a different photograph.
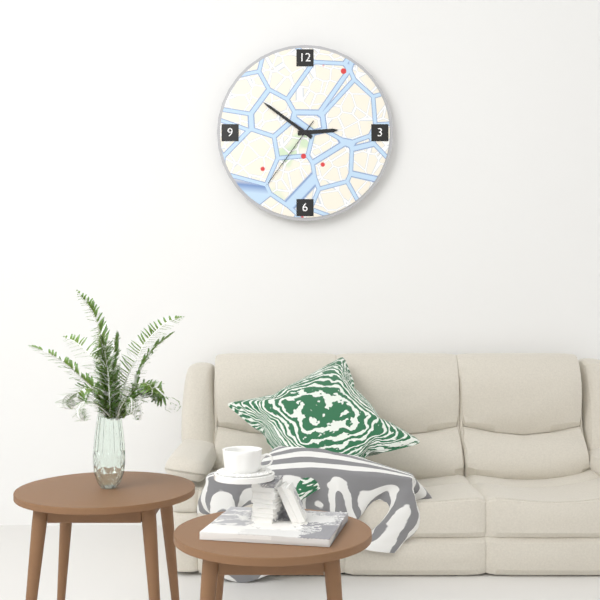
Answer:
{"hour": 2, "minute": 51, "second": 36}
